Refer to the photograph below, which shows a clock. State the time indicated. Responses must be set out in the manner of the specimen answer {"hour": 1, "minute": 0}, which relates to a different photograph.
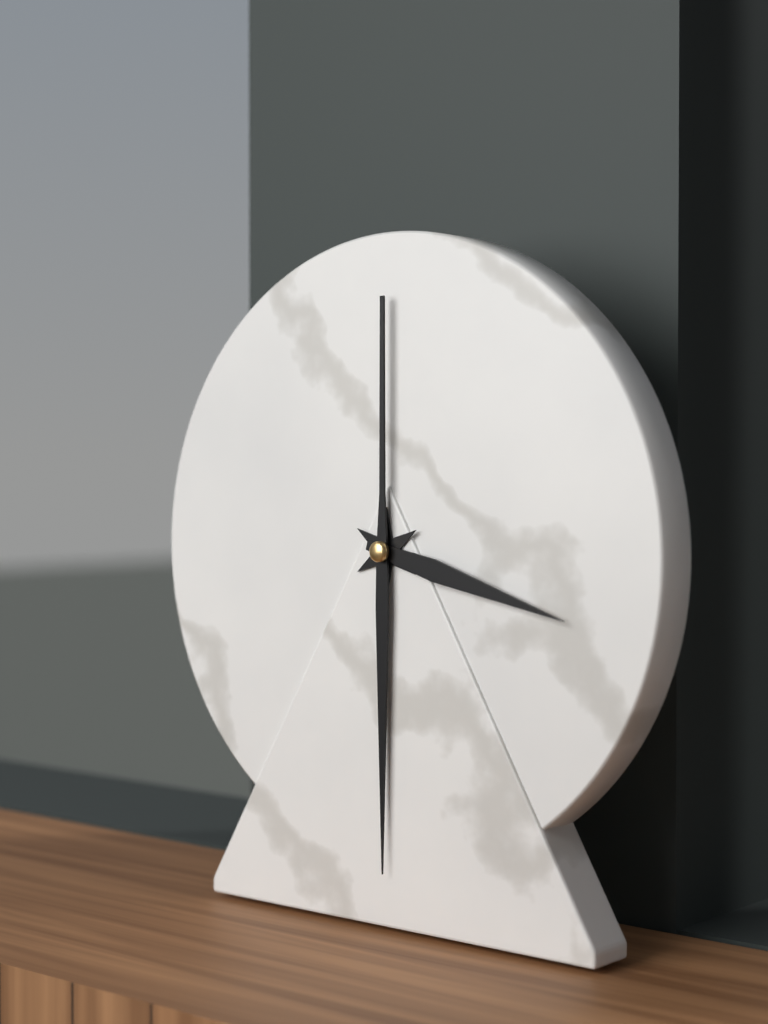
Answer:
{"hour": 3, "minute": 30}
